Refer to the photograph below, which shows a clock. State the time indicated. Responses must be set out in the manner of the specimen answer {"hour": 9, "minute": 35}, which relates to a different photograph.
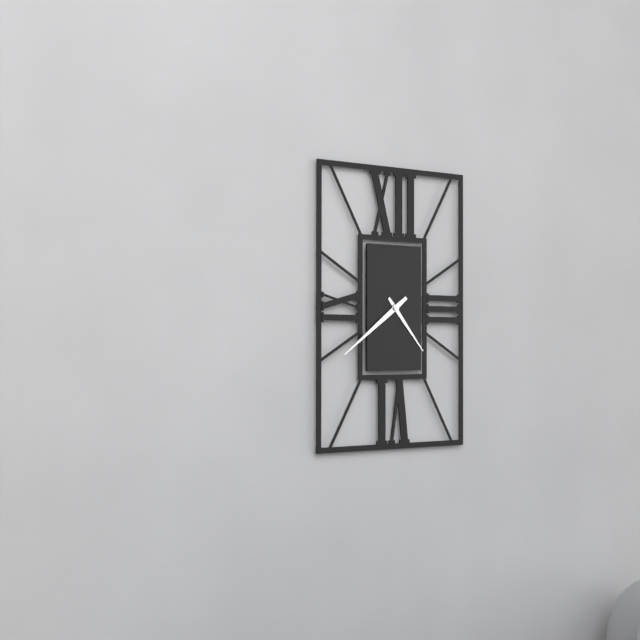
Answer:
{"hour": 4, "minute": 39}
